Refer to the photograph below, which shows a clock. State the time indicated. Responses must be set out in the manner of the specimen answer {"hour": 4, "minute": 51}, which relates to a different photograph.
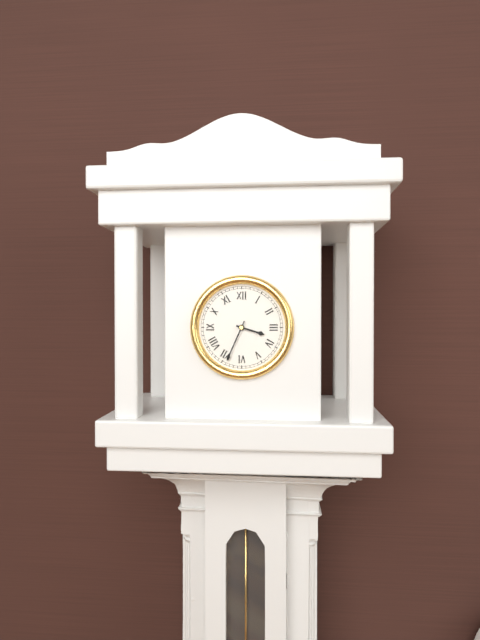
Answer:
{"hour": 3, "minute": 34}
